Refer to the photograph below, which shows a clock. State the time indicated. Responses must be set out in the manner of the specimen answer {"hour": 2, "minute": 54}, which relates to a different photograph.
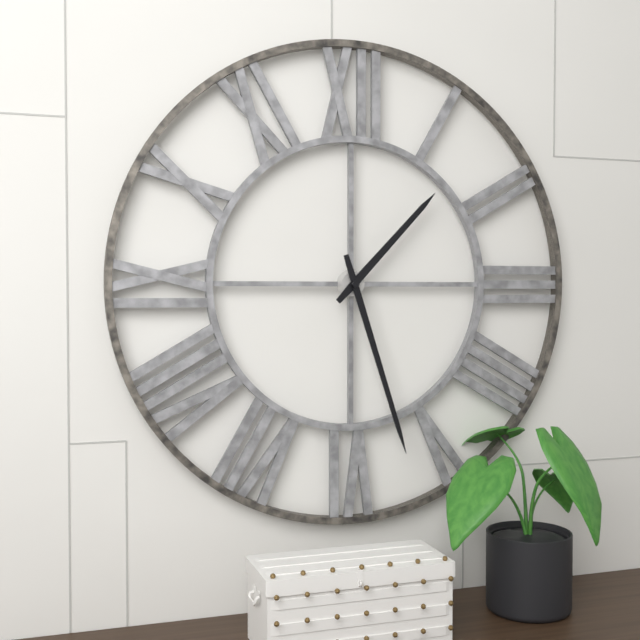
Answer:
{"hour": 1, "minute": 27}
